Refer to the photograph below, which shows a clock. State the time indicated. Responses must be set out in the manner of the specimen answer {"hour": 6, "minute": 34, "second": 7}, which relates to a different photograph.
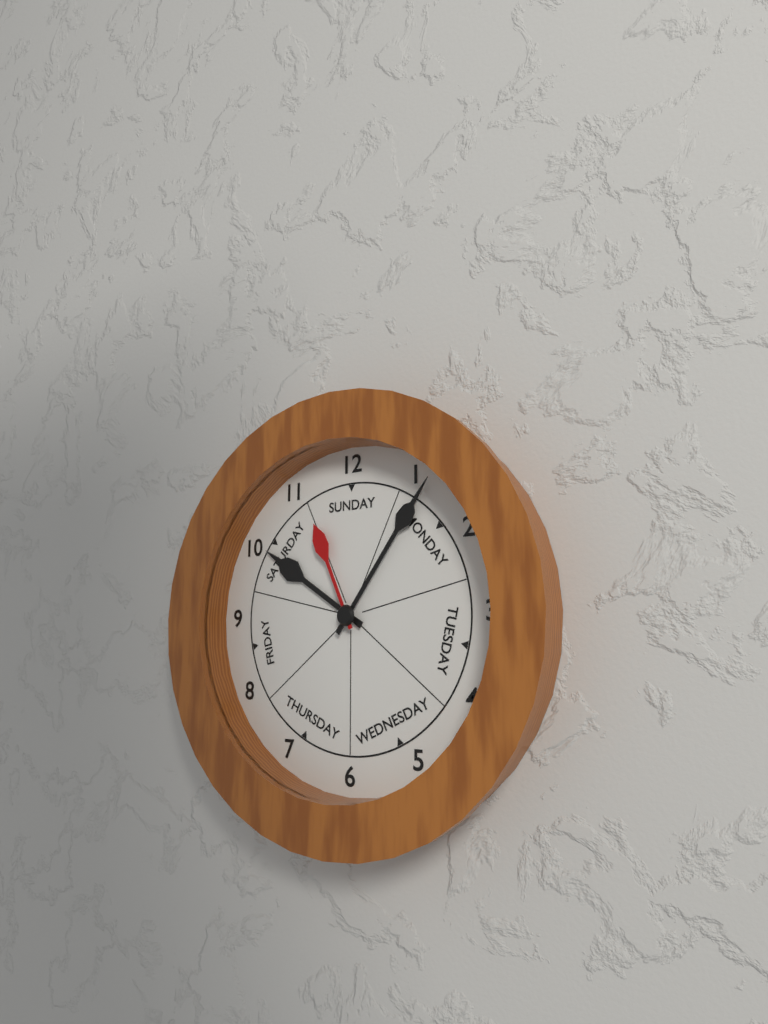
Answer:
{"hour": 10, "minute": 6, "second": 56}
